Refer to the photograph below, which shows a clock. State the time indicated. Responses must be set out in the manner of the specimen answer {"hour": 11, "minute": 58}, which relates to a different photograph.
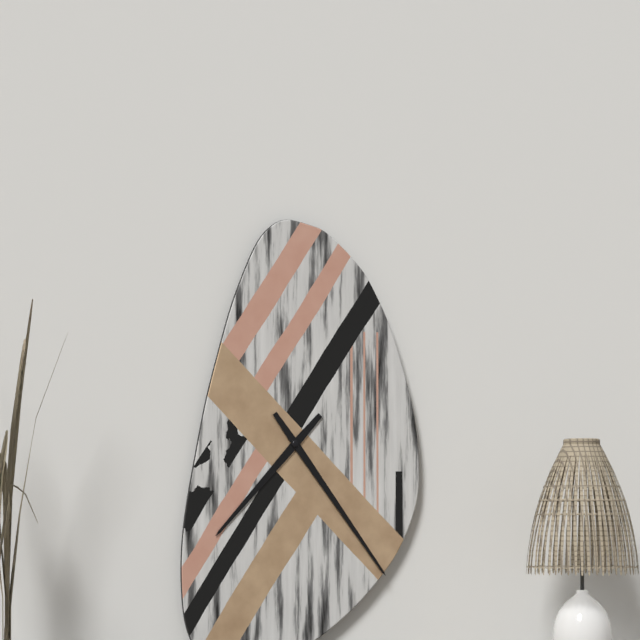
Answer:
{"hour": 7, "minute": 24}
